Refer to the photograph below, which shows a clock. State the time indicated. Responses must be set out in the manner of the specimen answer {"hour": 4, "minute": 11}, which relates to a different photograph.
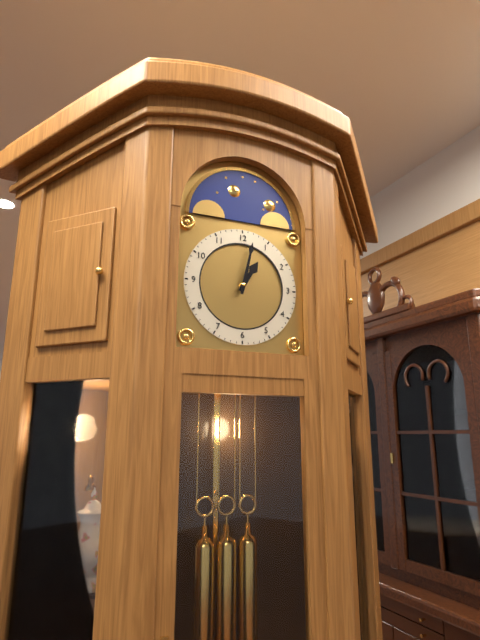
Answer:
{"hour": 1, "minute": 2}
